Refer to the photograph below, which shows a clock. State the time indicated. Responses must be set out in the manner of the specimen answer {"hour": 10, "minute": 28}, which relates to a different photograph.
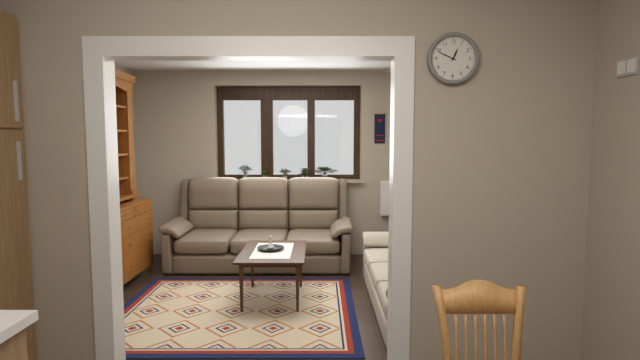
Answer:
{"hour": 12, "minute": 49}
